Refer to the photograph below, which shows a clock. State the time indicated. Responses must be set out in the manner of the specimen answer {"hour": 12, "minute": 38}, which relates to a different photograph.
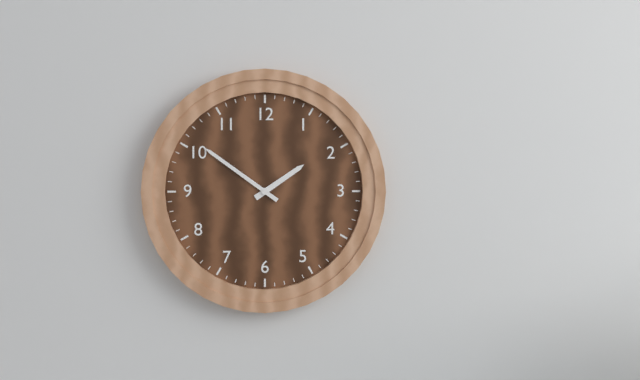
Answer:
{"hour": 1, "minute": 51}
